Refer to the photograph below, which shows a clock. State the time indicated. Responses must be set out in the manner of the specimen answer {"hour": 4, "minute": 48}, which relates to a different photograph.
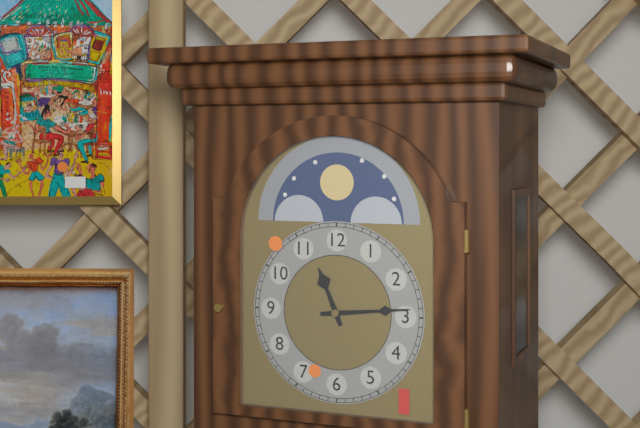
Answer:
{"hour": 11, "minute": 14}
